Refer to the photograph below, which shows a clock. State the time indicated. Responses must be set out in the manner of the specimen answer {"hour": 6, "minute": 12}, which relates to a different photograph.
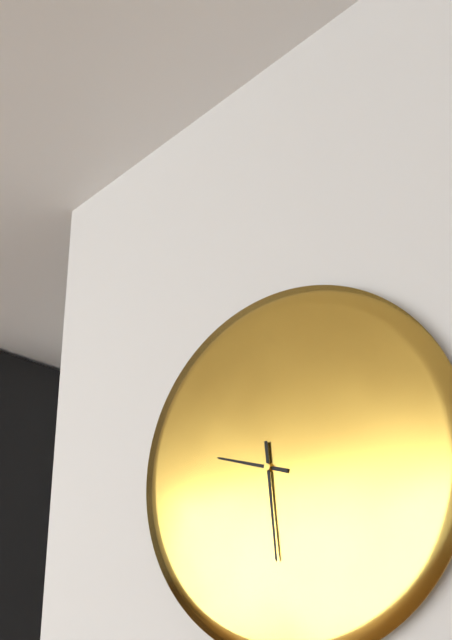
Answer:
{"hour": 9, "minute": 29}
